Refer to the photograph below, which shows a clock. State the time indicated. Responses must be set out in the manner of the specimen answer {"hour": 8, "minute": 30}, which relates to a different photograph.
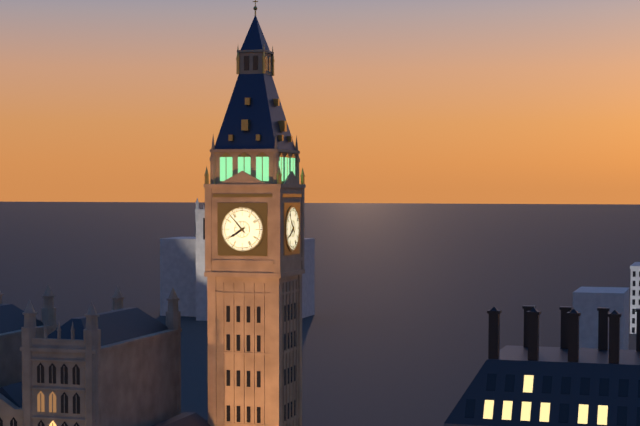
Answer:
{"hour": 7, "minute": 53}
